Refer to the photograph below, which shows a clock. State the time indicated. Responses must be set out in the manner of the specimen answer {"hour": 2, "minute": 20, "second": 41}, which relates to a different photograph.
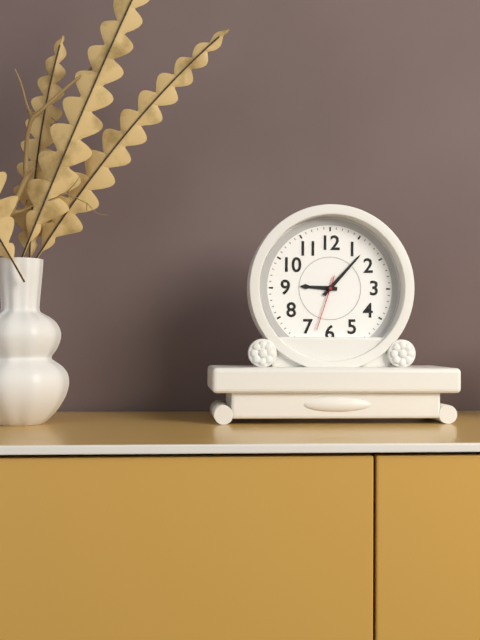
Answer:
{"hour": 9, "minute": 7, "second": 33}
